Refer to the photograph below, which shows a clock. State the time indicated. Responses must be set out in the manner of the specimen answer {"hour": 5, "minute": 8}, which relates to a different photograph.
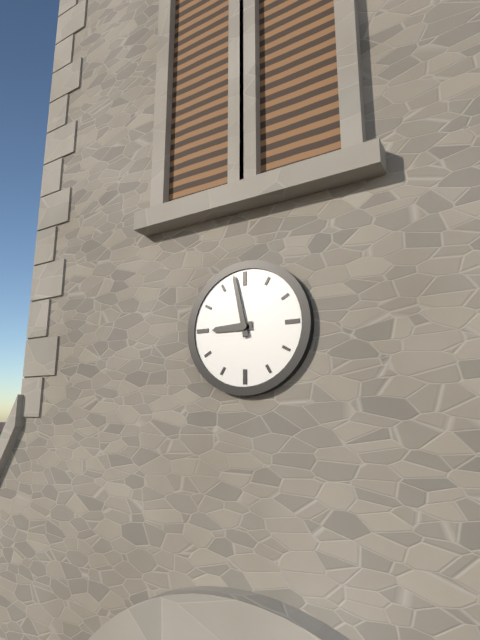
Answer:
{"hour": 8, "minute": 58}
